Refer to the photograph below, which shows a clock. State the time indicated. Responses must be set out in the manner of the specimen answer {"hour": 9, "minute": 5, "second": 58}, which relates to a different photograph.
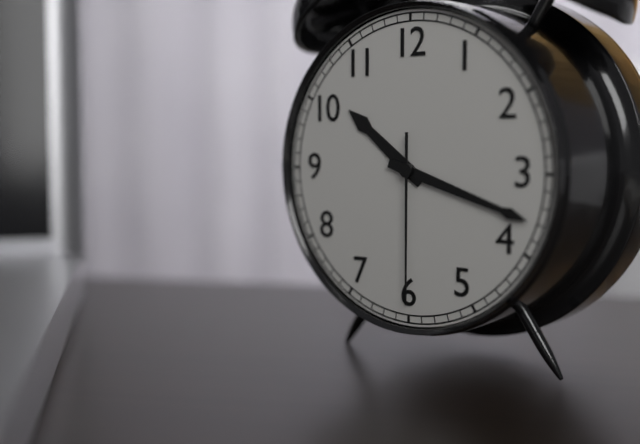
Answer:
{"hour": 10, "minute": 18, "second": 30}
